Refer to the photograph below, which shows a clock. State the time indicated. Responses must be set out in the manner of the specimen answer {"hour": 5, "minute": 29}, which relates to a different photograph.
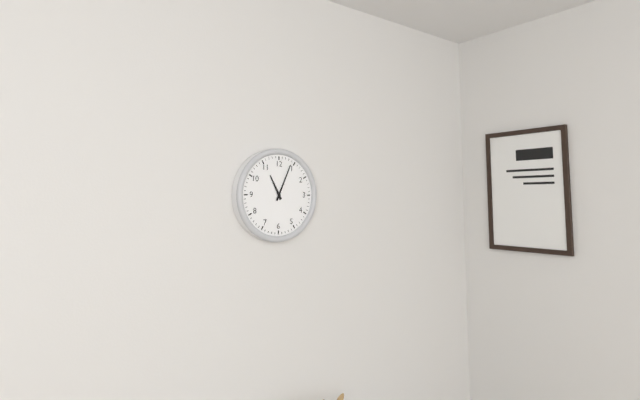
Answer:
{"hour": 11, "minute": 4}
